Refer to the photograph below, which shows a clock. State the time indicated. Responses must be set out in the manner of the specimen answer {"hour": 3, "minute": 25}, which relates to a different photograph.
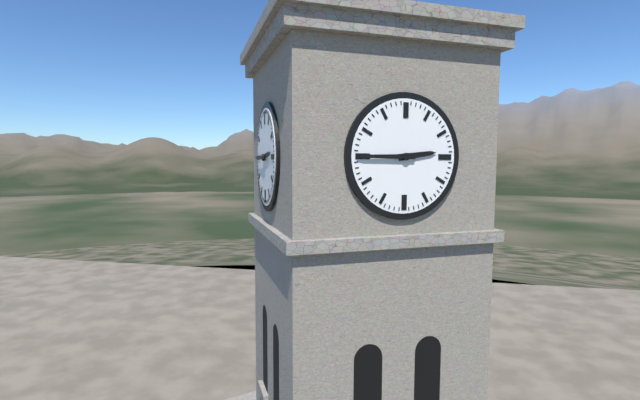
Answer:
{"hour": 2, "minute": 45}
